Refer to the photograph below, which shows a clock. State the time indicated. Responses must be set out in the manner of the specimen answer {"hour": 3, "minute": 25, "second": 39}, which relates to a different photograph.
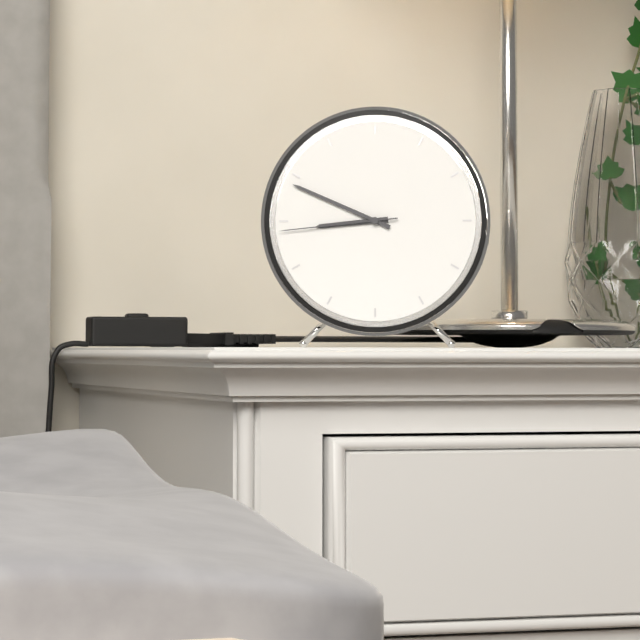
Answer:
{"hour": 8, "minute": 49, "second": 44}
